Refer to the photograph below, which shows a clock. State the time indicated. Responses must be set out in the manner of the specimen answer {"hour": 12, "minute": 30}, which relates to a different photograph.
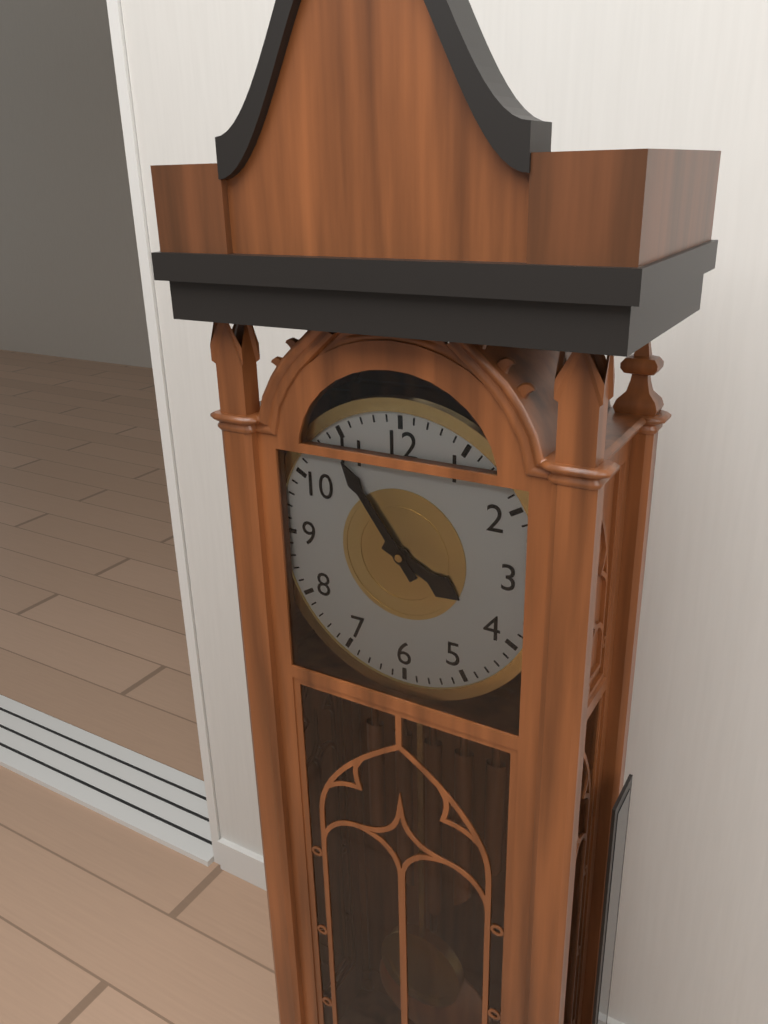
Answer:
{"hour": 3, "minute": 54}
